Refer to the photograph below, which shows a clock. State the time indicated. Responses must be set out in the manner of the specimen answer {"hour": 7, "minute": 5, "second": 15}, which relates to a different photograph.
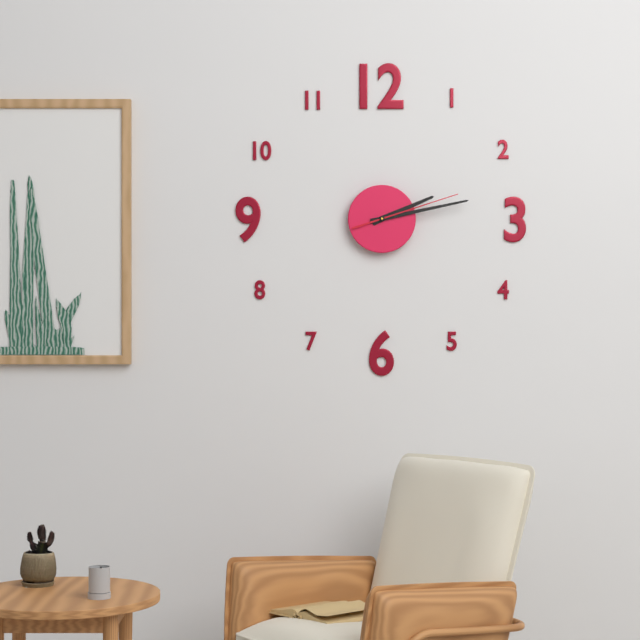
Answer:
{"hour": 2, "minute": 13, "second": 12}
